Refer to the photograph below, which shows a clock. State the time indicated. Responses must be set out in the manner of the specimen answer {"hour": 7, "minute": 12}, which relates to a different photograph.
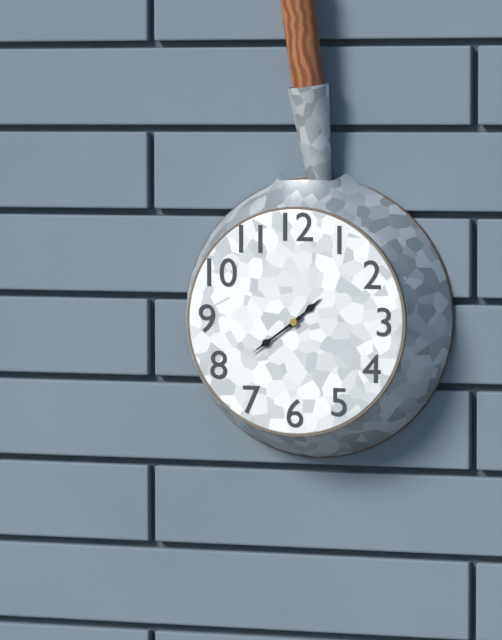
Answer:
{"hour": 1, "minute": 39}
